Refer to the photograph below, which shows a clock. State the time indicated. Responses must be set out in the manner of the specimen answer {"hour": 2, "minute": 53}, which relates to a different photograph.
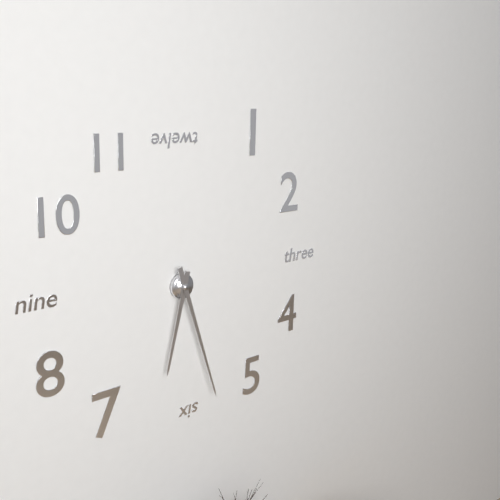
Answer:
{"hour": 6, "minute": 27}
